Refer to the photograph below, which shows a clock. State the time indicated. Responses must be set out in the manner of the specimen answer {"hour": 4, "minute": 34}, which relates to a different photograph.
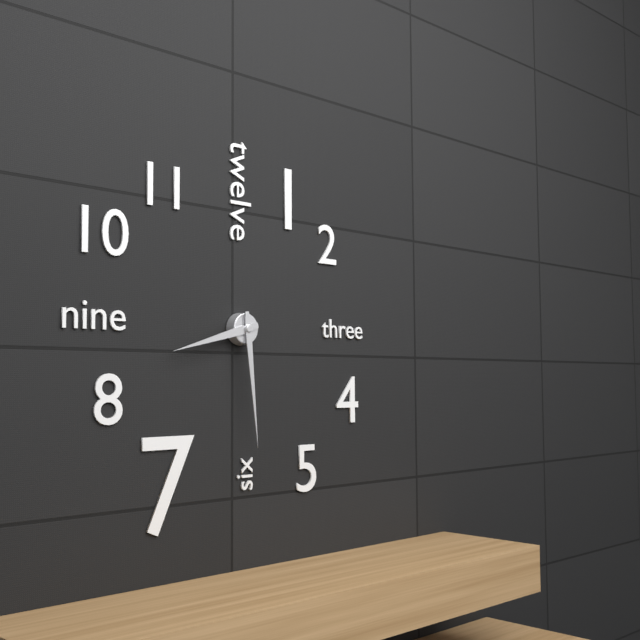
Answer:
{"hour": 8, "minute": 29}
